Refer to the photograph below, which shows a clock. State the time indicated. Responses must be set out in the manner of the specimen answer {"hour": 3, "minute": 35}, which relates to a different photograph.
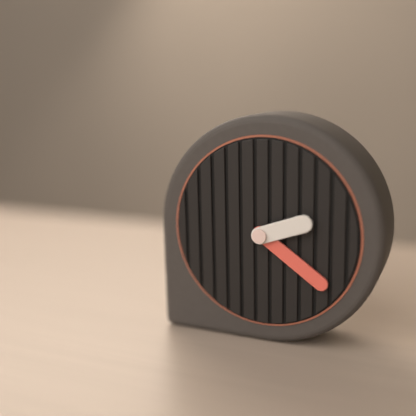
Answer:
{"hour": 2, "minute": 21}
